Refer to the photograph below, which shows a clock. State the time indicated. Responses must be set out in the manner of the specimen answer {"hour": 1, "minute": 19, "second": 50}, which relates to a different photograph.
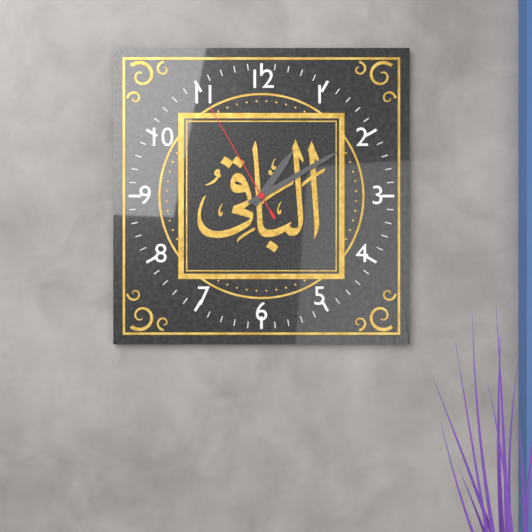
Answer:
{"hour": 1, "minute": 10, "second": 55}
